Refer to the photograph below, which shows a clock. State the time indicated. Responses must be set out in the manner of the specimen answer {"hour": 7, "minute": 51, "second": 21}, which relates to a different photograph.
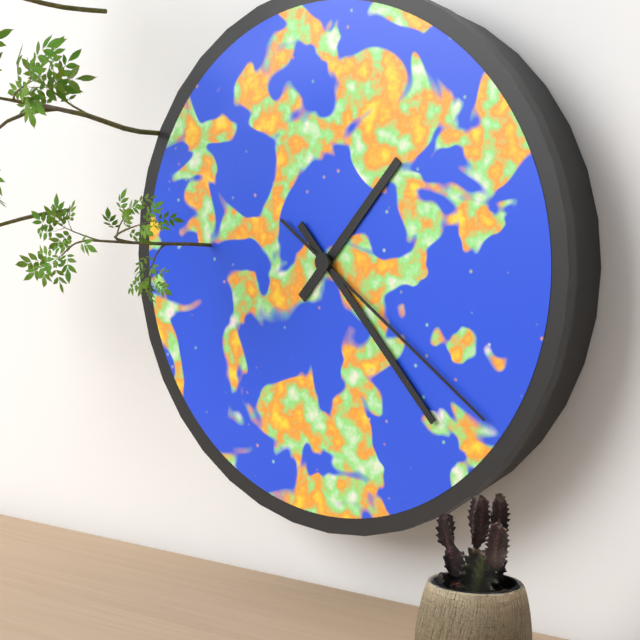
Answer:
{"hour": 1, "minute": 23, "second": 21}
